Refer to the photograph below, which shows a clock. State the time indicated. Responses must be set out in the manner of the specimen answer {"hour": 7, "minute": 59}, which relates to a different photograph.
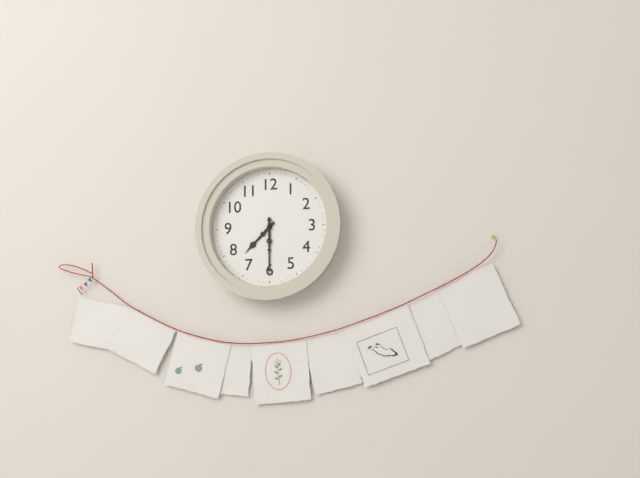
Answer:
{"hour": 7, "minute": 30}
